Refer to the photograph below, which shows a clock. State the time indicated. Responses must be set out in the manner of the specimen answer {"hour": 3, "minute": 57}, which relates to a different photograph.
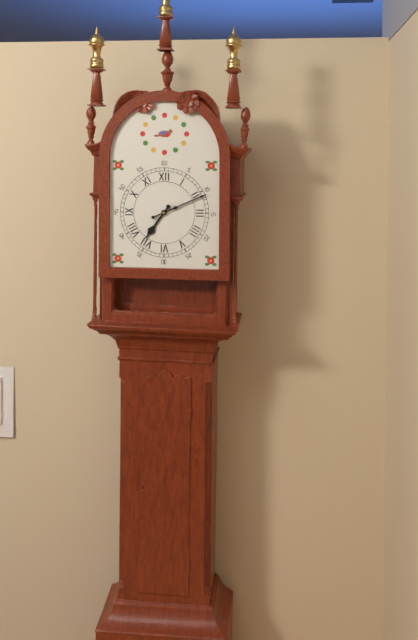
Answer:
{"hour": 7, "minute": 11}
